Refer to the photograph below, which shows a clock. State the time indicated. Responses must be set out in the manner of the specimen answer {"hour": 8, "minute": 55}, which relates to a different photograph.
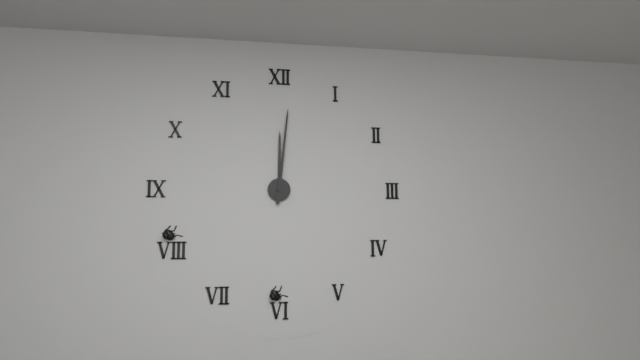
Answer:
{"hour": 12, "minute": 1}
